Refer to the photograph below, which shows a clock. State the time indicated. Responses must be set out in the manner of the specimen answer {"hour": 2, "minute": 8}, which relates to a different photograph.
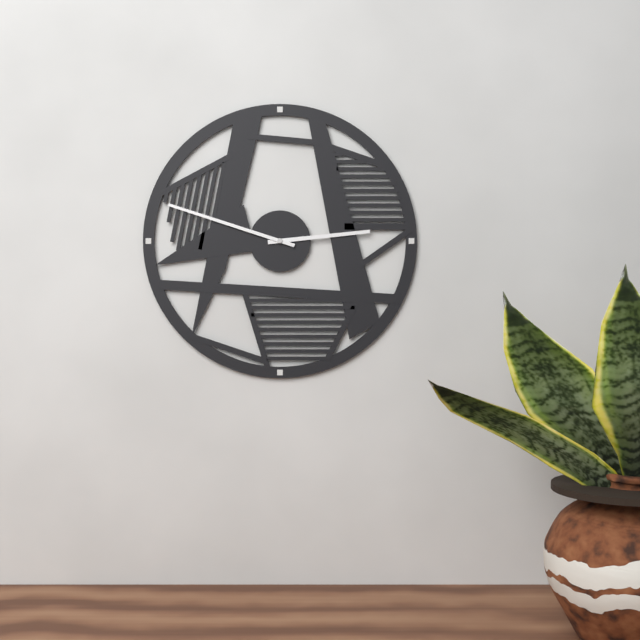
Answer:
{"hour": 2, "minute": 48}
